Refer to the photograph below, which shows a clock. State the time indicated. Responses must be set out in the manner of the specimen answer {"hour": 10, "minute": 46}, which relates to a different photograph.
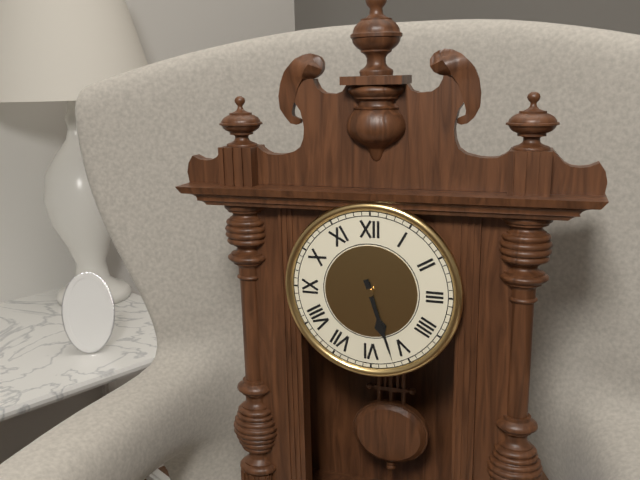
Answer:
{"hour": 5, "minute": 27}
